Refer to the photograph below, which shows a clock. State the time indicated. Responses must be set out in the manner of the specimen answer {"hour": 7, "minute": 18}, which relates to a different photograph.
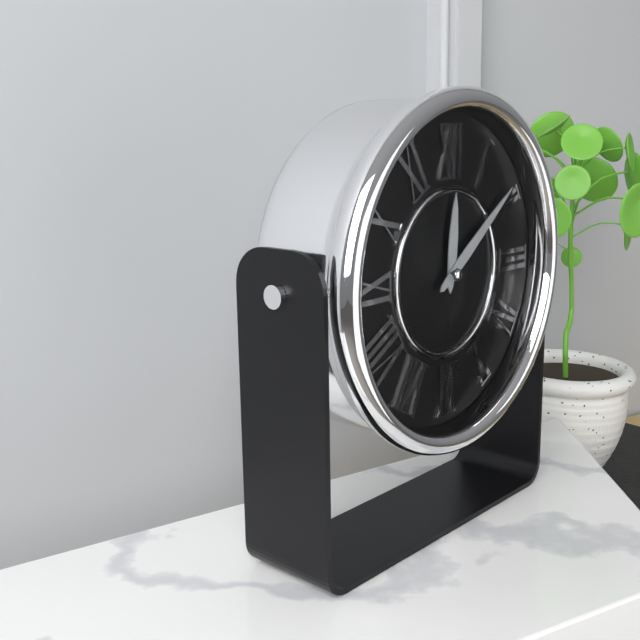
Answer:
{"hour": 12, "minute": 9}
